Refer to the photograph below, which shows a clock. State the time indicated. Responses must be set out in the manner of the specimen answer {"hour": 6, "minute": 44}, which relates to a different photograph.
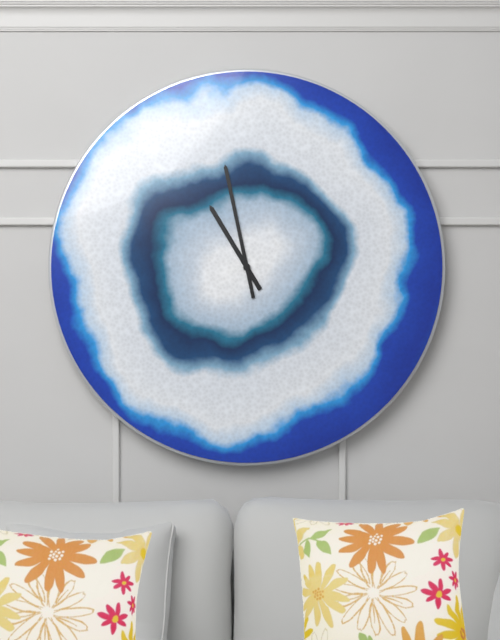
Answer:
{"hour": 10, "minute": 58}
